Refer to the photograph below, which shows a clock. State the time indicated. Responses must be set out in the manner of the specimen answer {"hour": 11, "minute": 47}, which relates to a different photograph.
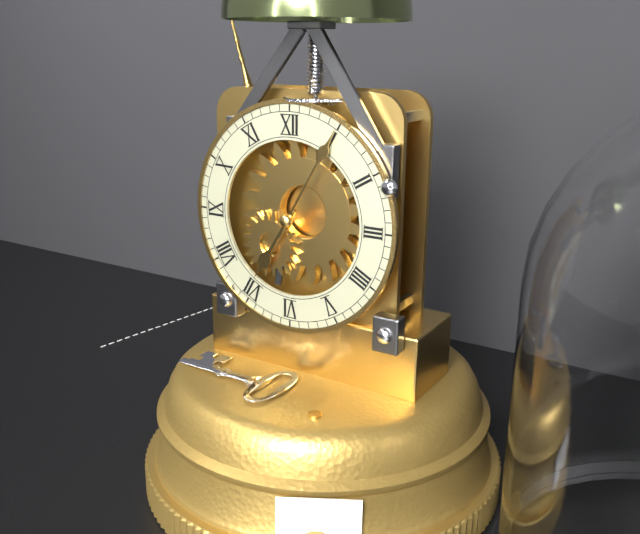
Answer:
{"hour": 7, "minute": 5}
